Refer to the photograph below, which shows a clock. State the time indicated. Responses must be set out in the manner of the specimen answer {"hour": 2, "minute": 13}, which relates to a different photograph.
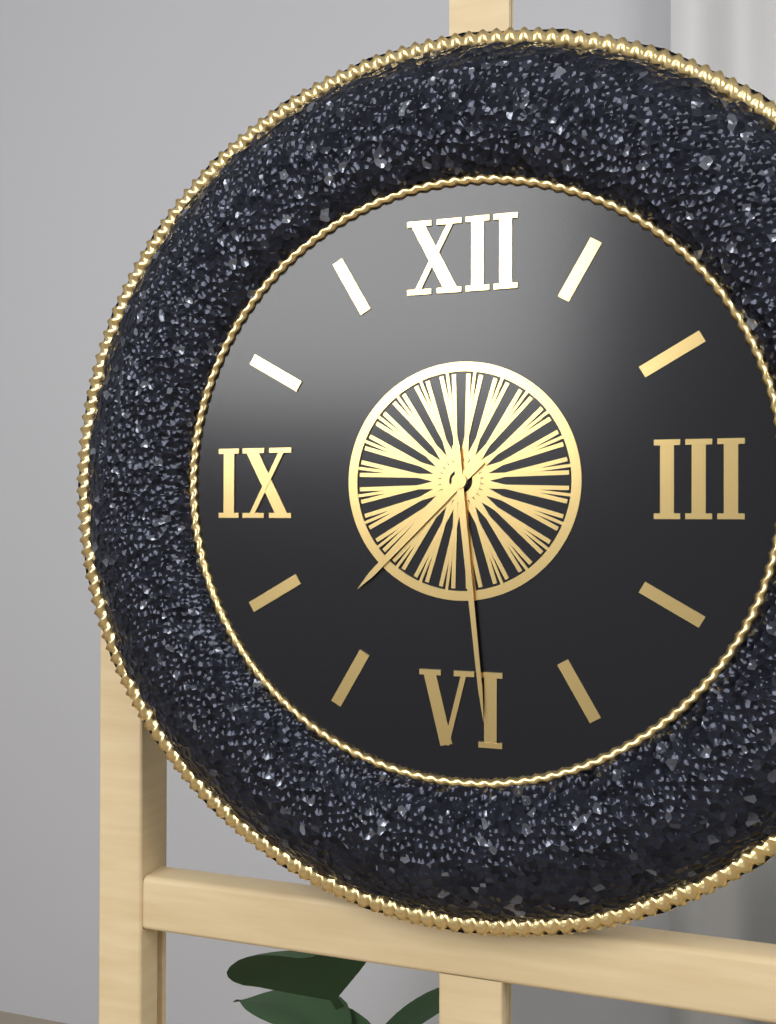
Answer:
{"hour": 7, "minute": 29}
